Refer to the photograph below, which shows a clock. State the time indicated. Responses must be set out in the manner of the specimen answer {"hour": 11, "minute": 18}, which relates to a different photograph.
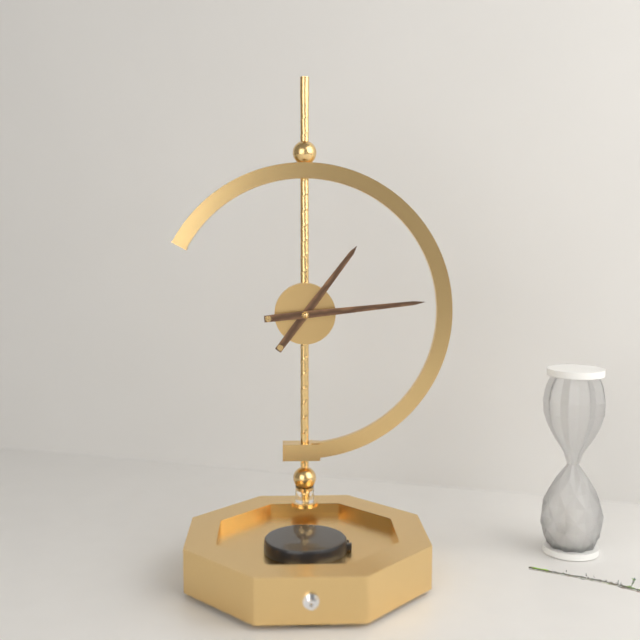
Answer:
{"hour": 1, "minute": 14}
